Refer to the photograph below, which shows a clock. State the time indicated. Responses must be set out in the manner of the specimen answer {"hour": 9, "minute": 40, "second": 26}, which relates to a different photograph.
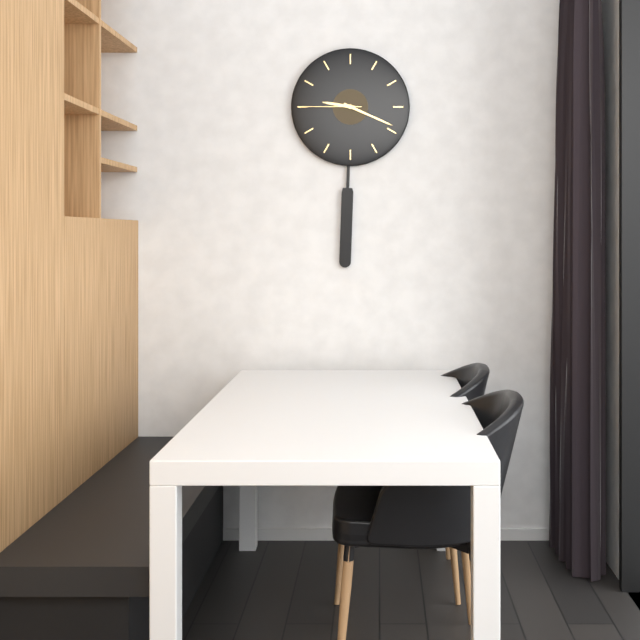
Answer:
{"hour": 9, "minute": 19, "second": 45}
